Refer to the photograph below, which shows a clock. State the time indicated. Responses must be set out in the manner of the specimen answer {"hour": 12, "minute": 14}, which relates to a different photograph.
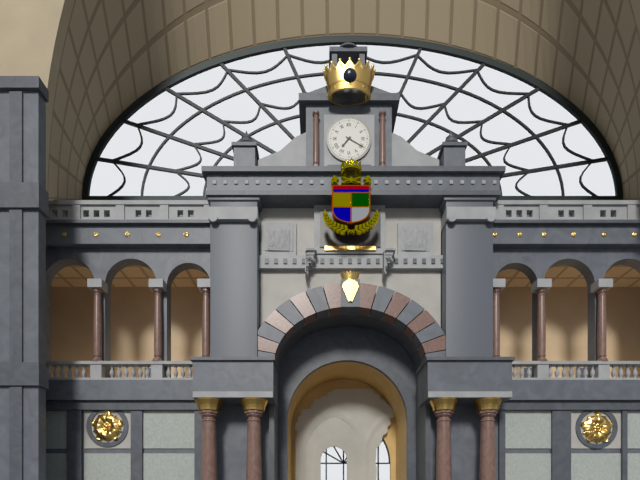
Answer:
{"hour": 7, "minute": 20}
